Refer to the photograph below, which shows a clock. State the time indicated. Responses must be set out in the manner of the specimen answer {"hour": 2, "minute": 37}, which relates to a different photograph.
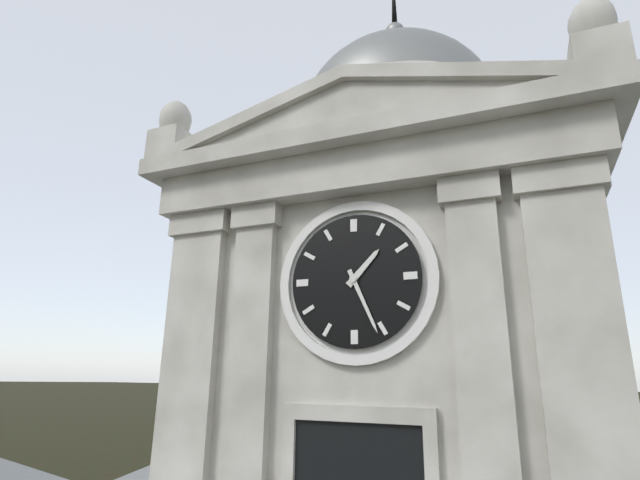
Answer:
{"hour": 1, "minute": 26}
